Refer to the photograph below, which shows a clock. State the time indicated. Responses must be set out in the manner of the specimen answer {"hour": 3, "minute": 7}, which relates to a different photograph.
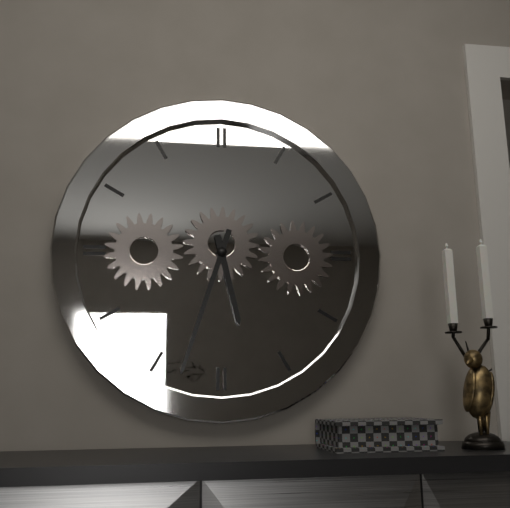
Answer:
{"hour": 5, "minute": 33}
